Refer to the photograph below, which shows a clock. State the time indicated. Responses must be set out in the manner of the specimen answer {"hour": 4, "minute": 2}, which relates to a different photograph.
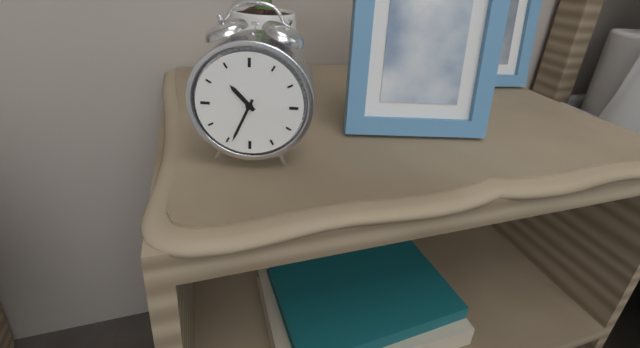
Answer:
{"hour": 10, "minute": 34}
